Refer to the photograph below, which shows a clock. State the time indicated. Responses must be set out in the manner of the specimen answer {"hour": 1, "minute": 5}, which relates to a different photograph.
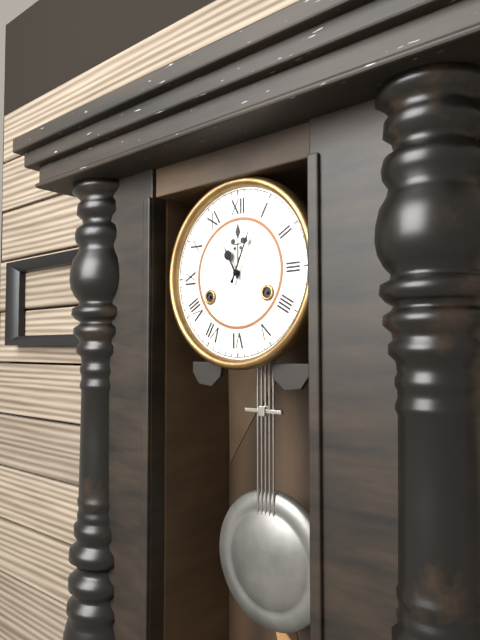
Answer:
{"hour": 11, "minute": 4}
